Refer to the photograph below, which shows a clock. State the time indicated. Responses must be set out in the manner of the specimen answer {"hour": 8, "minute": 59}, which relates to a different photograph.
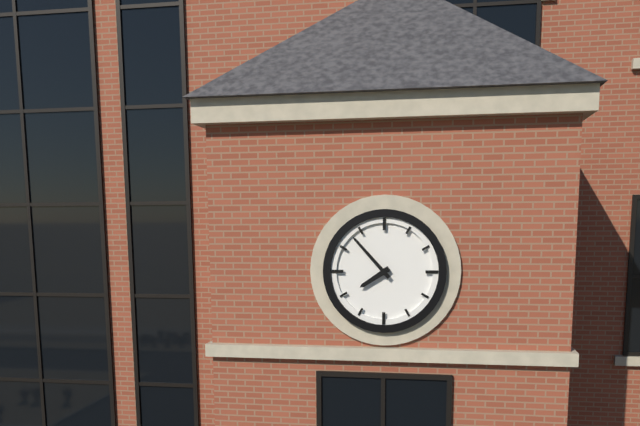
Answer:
{"hour": 7, "minute": 53}
